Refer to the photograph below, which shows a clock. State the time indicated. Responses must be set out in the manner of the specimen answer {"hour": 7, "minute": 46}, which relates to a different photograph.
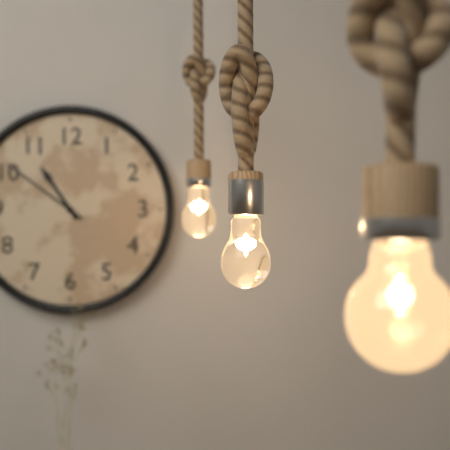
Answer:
{"hour": 10, "minute": 51}
